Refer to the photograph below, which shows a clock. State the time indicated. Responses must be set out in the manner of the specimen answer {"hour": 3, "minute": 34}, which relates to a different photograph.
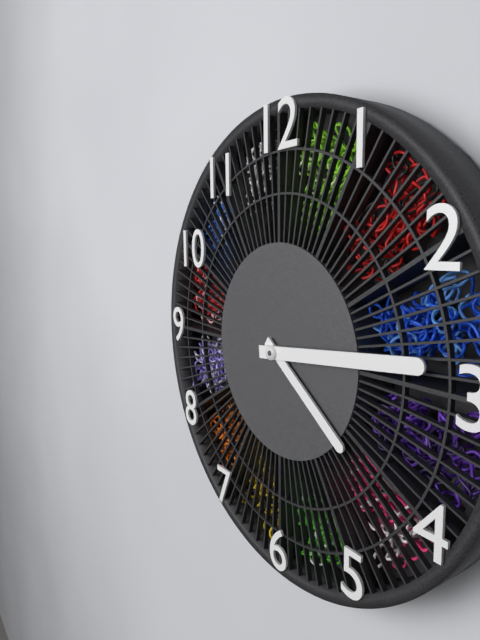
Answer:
{"hour": 4, "minute": 14}
